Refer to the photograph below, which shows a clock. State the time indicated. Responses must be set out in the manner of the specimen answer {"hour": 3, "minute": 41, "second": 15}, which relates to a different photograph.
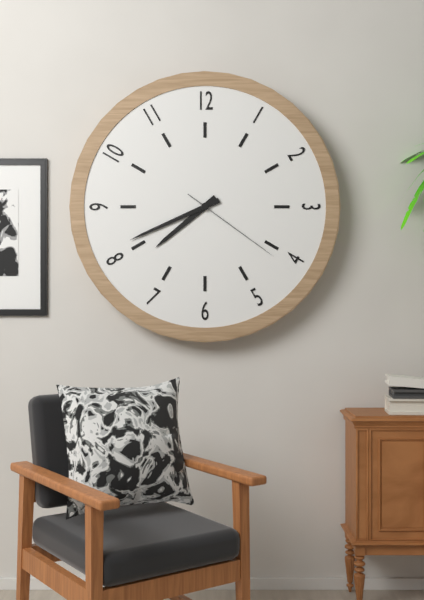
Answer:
{"hour": 7, "minute": 41, "second": 21}
